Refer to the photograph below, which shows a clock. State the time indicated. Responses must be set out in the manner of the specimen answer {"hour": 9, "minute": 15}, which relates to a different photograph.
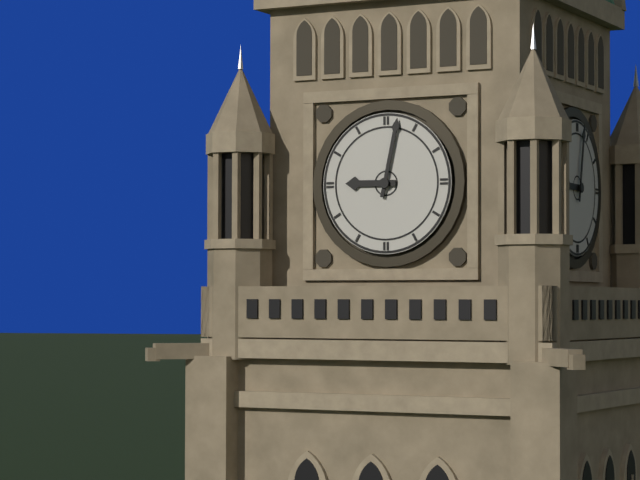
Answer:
{"hour": 9, "minute": 2}
